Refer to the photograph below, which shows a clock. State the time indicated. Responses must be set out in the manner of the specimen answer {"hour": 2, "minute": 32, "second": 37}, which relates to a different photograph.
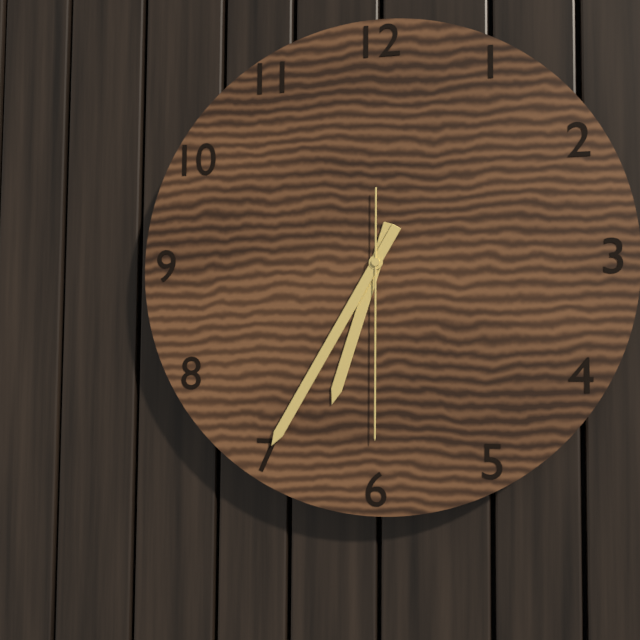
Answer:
{"hour": 6, "minute": 35, "second": 30}
